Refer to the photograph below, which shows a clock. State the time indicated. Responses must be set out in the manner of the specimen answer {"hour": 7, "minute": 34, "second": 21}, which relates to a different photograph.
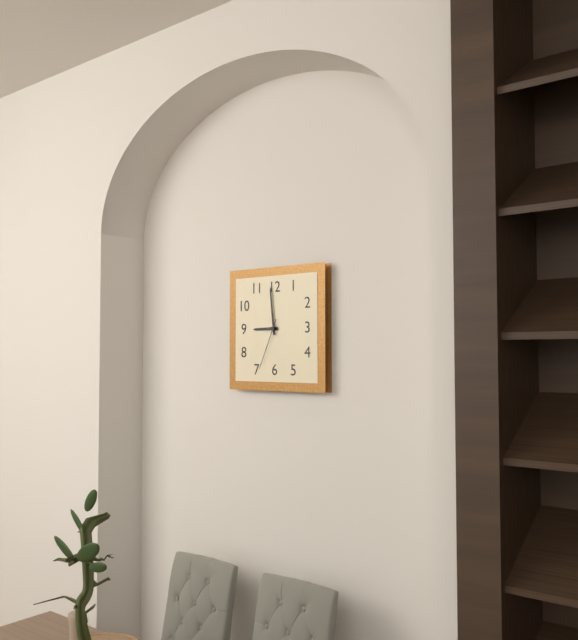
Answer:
{"hour": 8, "minute": 59, "second": 34}
